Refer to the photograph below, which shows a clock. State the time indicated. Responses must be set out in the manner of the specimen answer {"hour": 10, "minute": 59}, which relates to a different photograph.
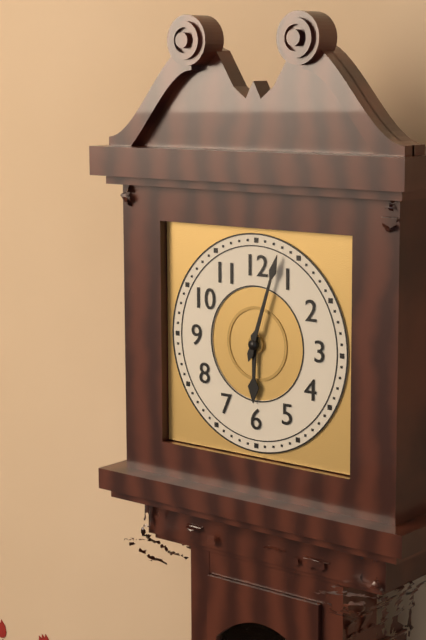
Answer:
{"hour": 6, "minute": 3}
